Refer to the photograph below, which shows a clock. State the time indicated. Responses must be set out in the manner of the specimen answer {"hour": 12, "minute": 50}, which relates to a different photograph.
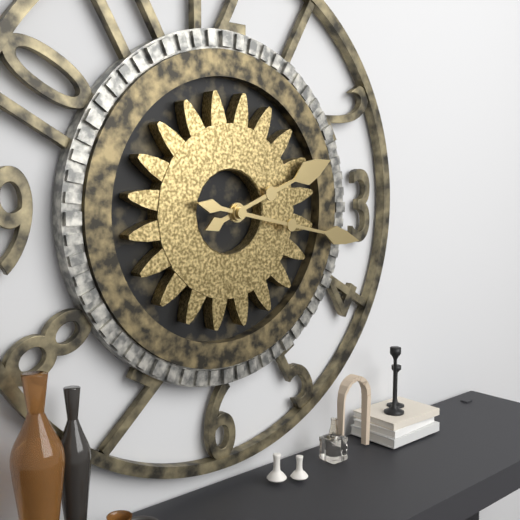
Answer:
{"hour": 2, "minute": 17}
